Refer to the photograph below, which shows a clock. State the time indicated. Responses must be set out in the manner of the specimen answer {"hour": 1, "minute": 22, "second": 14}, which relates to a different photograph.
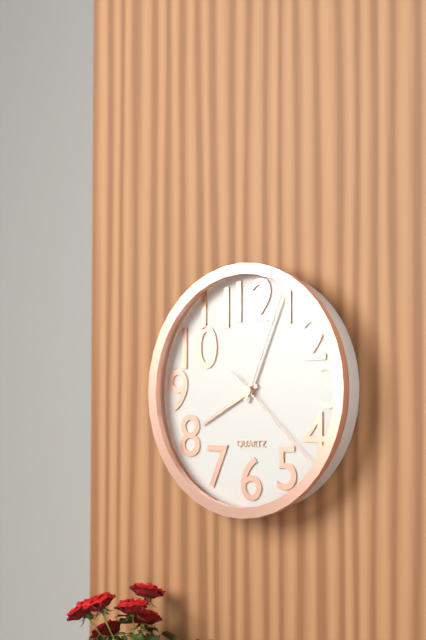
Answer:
{"hour": 8, "minute": 4, "second": 22}
